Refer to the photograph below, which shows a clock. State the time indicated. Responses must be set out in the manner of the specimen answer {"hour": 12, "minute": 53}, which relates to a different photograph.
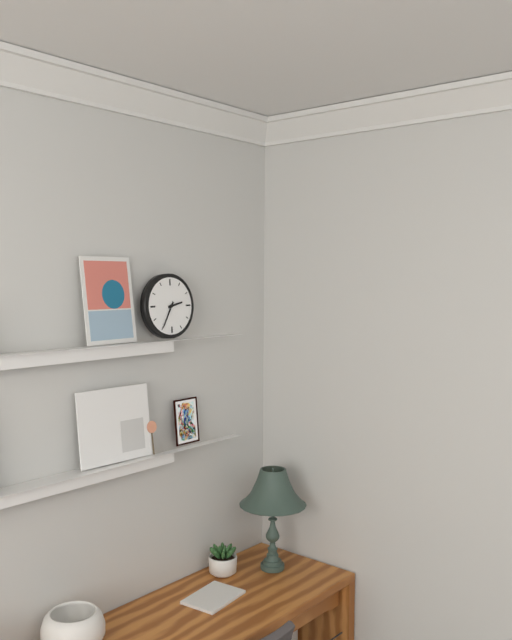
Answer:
{"hour": 2, "minute": 35}
